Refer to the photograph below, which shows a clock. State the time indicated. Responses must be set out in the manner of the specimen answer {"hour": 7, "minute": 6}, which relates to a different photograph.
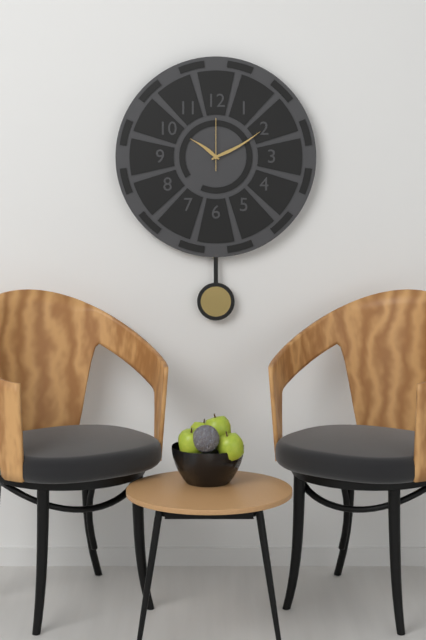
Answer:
{"hour": 10, "minute": 10}
